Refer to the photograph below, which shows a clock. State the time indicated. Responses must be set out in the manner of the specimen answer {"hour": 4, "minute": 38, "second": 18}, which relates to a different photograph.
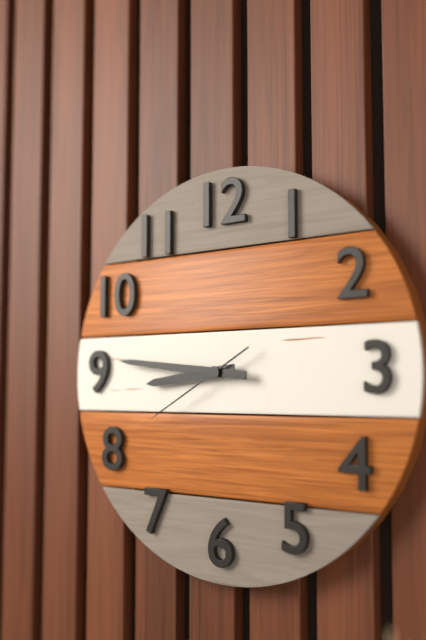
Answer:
{"hour": 8, "minute": 46, "second": 40}
